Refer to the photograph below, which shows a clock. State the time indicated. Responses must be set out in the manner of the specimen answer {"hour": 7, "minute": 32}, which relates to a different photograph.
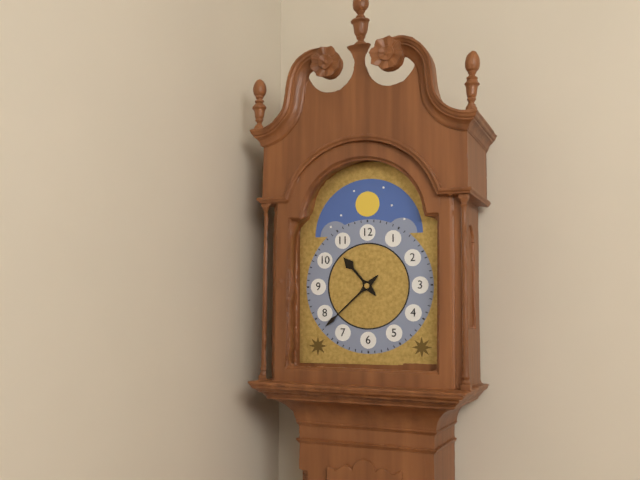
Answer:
{"hour": 10, "minute": 38}
